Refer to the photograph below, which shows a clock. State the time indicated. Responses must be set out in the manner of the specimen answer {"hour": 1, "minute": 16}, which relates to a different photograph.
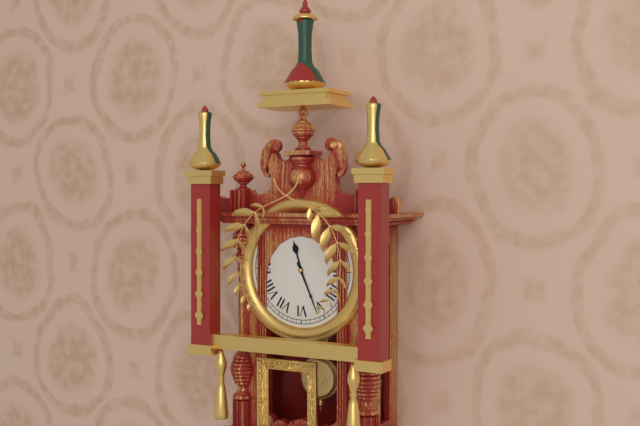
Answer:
{"hour": 11, "minute": 26}
